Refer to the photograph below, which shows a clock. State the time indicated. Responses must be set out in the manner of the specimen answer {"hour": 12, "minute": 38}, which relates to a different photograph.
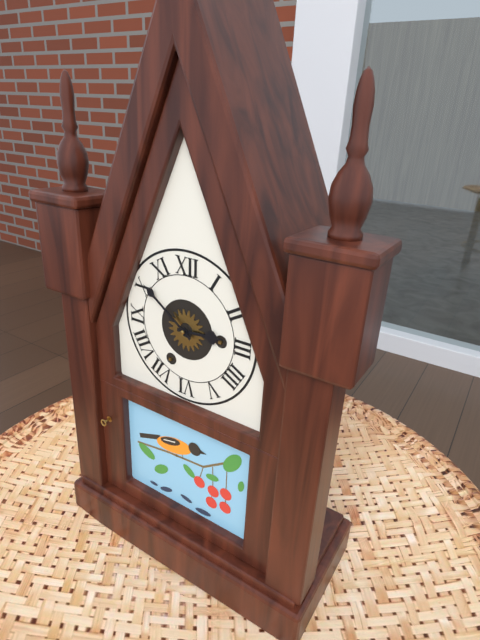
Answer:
{"hour": 2, "minute": 51}
